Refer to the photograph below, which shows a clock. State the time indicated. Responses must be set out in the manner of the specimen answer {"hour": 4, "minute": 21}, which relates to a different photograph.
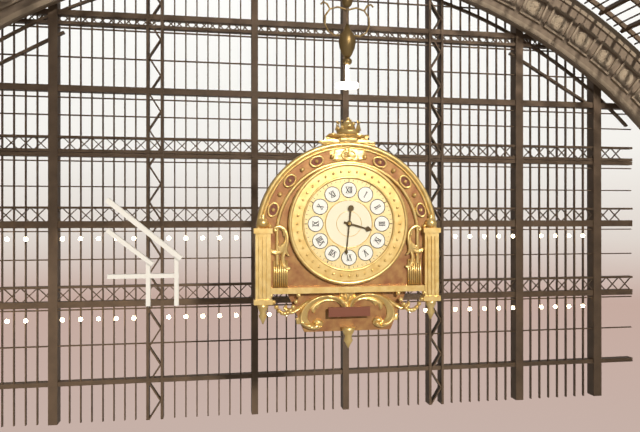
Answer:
{"hour": 3, "minute": 31}
